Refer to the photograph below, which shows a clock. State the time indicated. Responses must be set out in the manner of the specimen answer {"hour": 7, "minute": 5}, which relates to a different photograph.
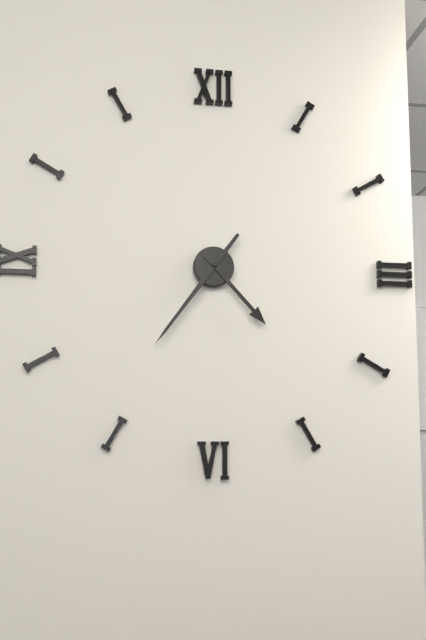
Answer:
{"hour": 4, "minute": 36}
